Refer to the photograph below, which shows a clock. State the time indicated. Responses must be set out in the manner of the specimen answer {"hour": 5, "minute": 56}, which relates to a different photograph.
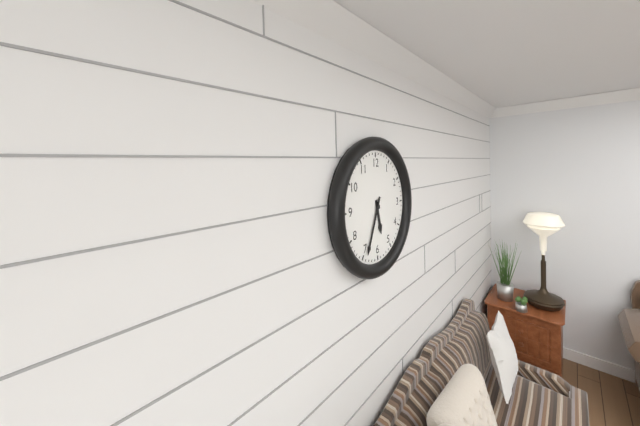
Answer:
{"hour": 5, "minute": 34}
